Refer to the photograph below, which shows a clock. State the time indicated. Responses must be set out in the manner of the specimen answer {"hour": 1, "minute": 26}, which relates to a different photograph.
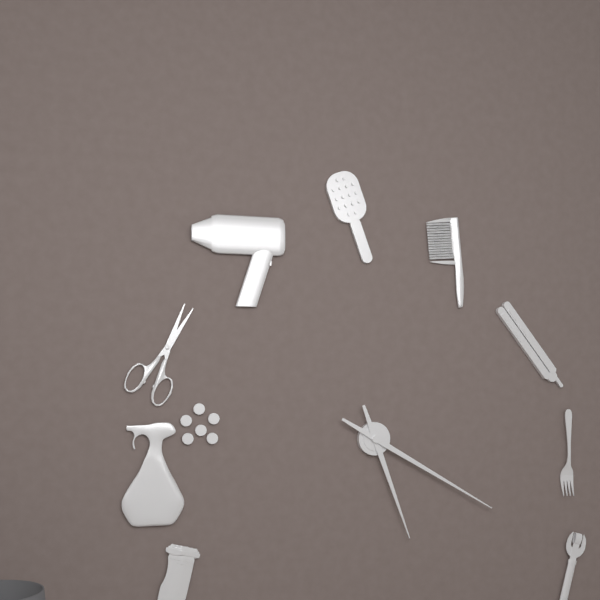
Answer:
{"hour": 5, "minute": 20}
